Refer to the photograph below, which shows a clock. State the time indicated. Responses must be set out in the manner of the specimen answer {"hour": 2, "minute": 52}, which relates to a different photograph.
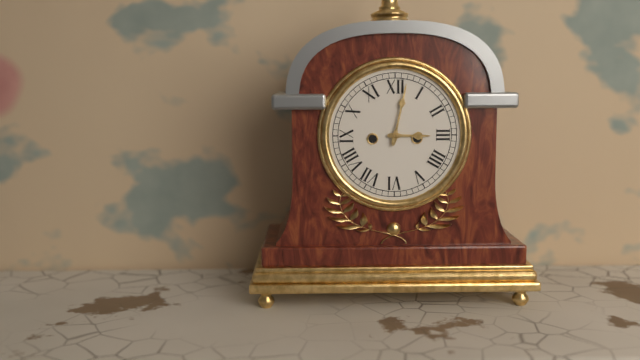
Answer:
{"hour": 3, "minute": 2}
